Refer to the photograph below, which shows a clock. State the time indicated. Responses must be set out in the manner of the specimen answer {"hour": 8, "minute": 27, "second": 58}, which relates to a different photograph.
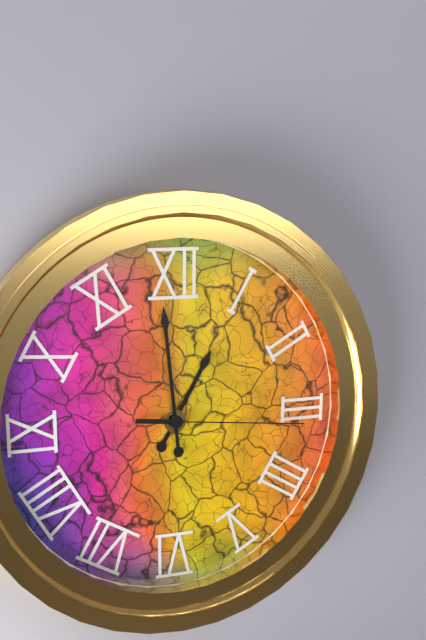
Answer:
{"hour": 12, "minute": 59, "second": 16}
